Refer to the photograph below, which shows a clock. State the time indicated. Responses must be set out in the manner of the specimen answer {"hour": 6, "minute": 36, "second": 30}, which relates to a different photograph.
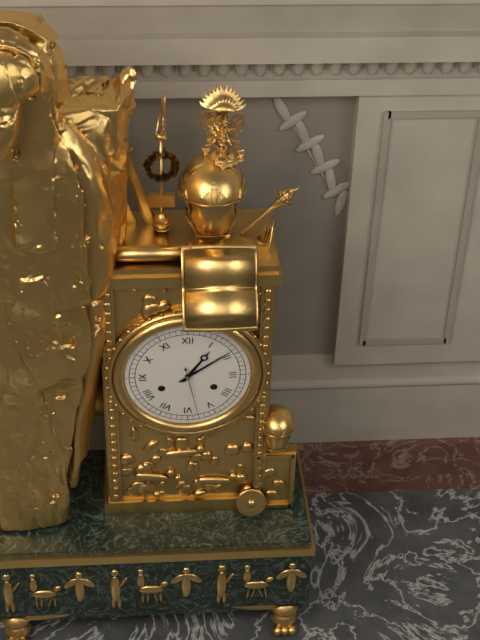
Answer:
{"hour": 1, "minute": 9, "second": 28}
